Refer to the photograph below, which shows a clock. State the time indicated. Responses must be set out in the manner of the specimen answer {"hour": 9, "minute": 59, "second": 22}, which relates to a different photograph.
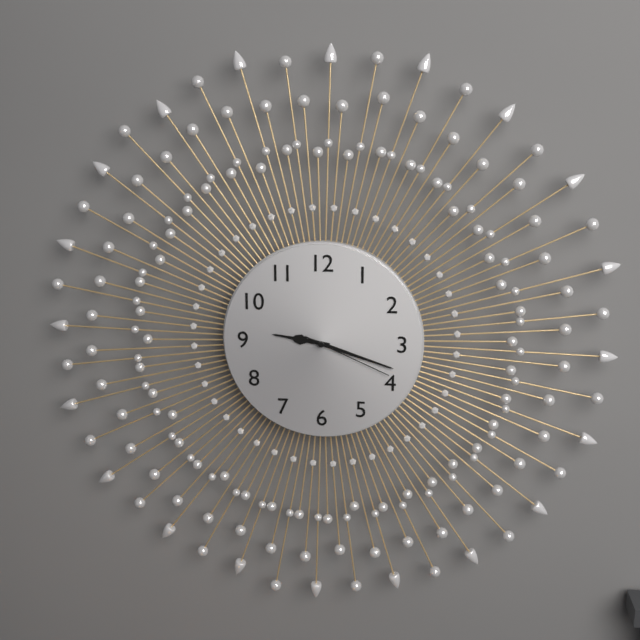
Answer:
{"hour": 9, "minute": 18, "second": 19}
